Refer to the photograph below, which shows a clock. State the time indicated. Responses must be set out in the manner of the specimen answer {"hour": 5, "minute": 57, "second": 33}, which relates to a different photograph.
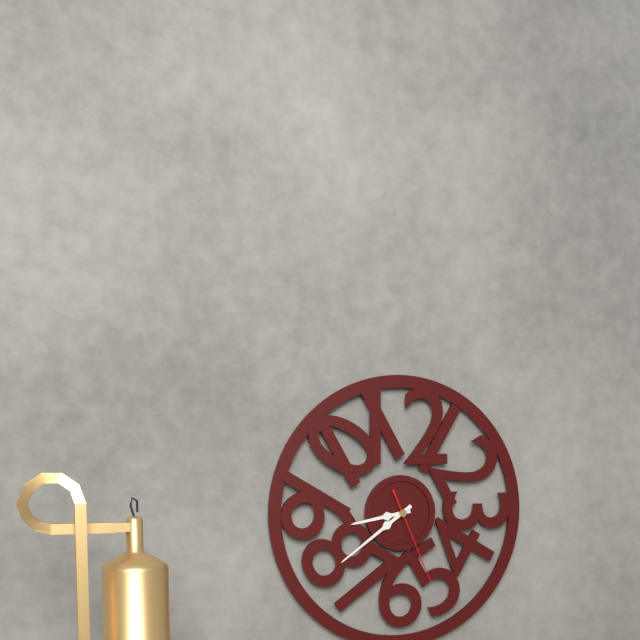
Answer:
{"hour": 8, "minute": 39, "second": 26}
